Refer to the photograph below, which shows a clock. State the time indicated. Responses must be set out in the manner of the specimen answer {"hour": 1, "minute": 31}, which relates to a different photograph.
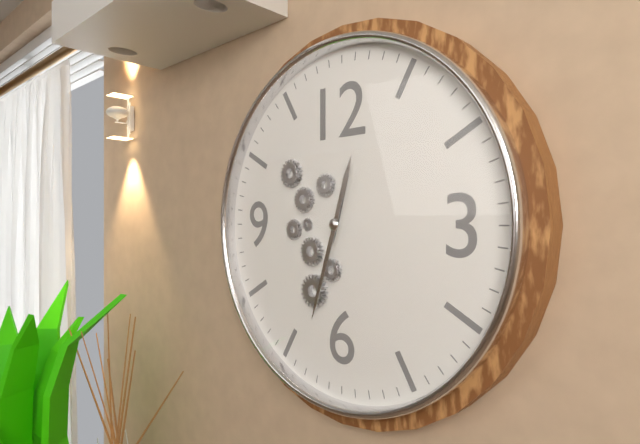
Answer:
{"hour": 12, "minute": 33}
